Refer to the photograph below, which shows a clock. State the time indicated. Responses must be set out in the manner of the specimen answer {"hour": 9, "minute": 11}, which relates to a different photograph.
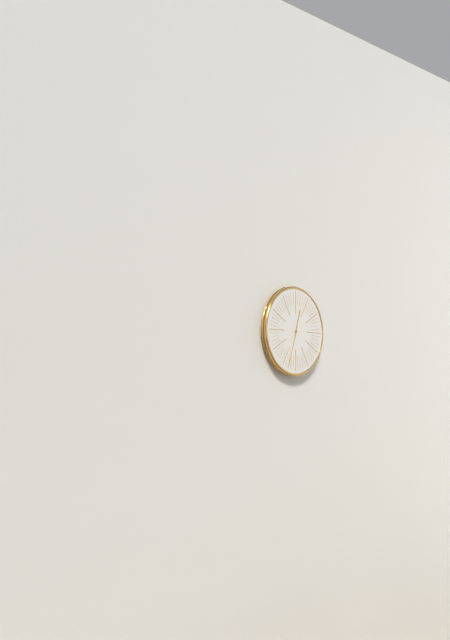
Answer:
{"hour": 12, "minute": 33}
